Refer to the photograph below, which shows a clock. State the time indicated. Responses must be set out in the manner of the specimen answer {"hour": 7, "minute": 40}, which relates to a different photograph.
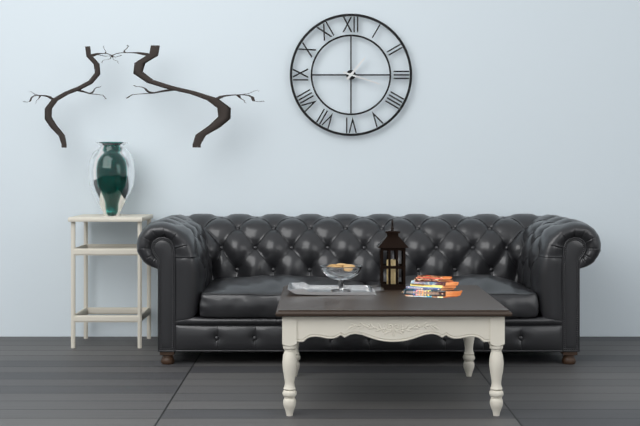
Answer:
{"hour": 1, "minute": 18}
